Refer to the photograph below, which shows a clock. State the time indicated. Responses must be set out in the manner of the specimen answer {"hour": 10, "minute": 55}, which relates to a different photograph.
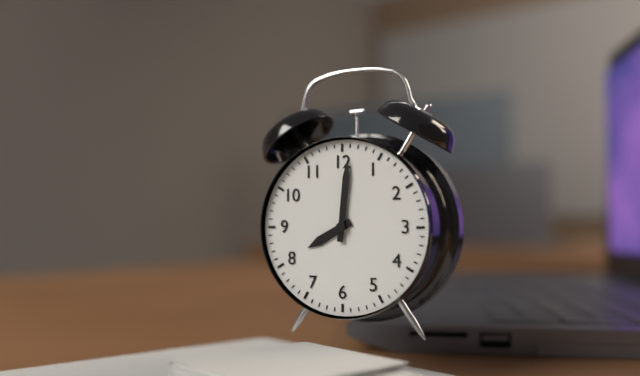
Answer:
{"hour": 8, "minute": 1}
